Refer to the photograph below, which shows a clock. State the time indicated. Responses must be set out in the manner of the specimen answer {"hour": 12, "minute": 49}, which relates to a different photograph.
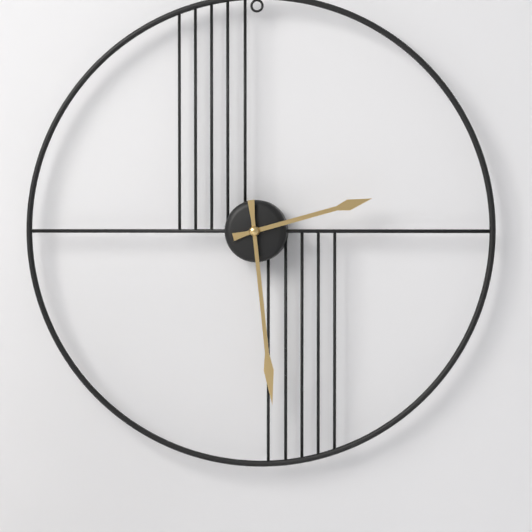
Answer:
{"hour": 2, "minute": 29}
